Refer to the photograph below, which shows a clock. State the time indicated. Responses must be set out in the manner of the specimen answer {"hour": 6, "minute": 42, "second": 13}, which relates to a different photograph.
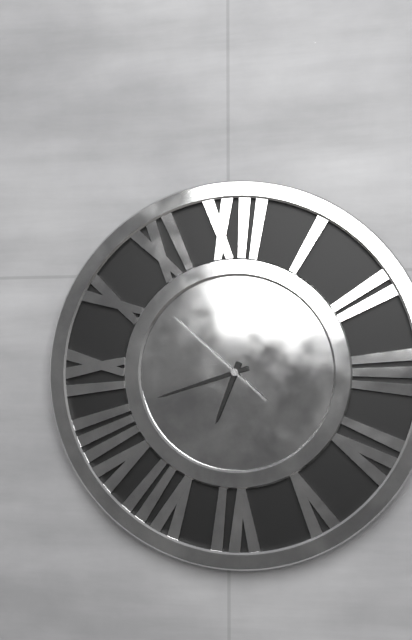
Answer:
{"hour": 6, "minute": 42, "second": 52}
